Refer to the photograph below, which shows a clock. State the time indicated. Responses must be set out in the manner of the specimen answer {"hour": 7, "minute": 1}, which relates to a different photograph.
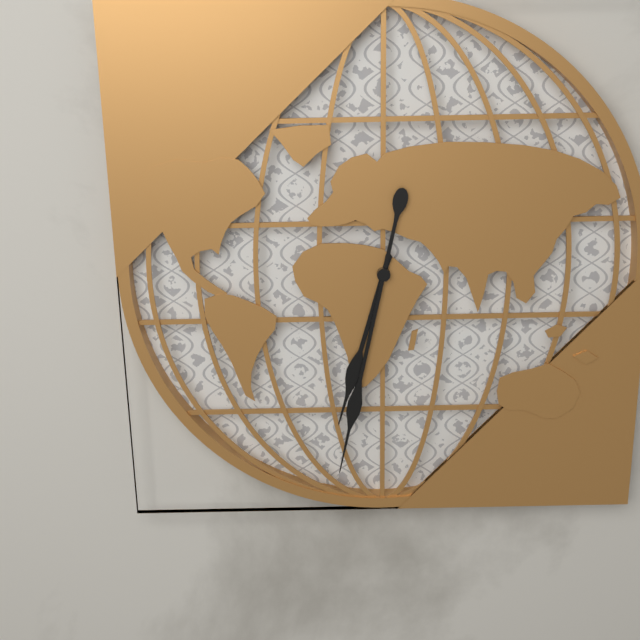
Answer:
{"hour": 6, "minute": 32}
